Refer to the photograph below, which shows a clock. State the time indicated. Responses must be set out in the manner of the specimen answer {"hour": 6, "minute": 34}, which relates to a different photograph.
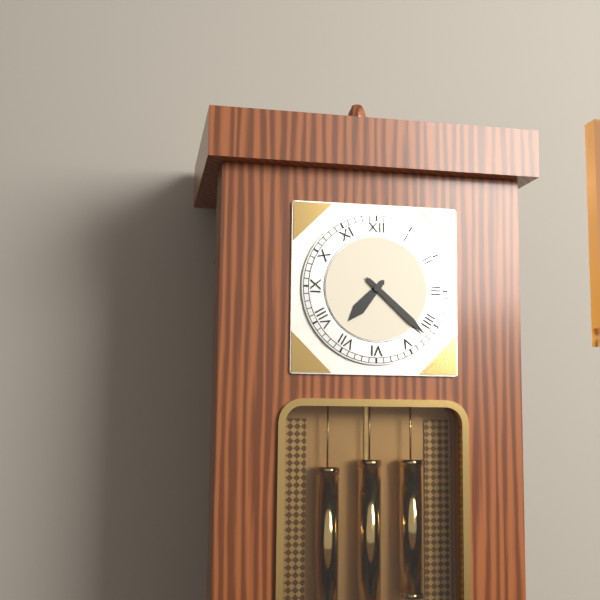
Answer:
{"hour": 7, "minute": 22}
